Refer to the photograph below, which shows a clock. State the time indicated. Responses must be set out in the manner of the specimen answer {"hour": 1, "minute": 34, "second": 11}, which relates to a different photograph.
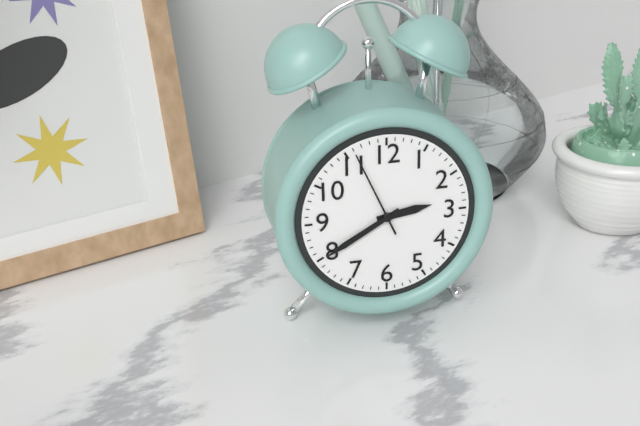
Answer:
{"hour": 2, "minute": 40, "second": 56}
